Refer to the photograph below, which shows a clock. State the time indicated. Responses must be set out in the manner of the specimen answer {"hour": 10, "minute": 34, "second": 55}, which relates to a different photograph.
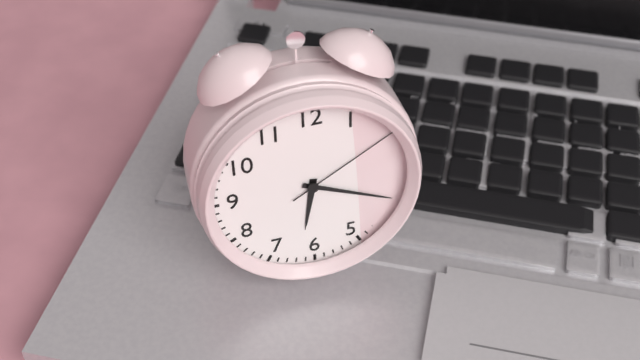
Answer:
{"hour": 6, "minute": 19, "second": 10}
